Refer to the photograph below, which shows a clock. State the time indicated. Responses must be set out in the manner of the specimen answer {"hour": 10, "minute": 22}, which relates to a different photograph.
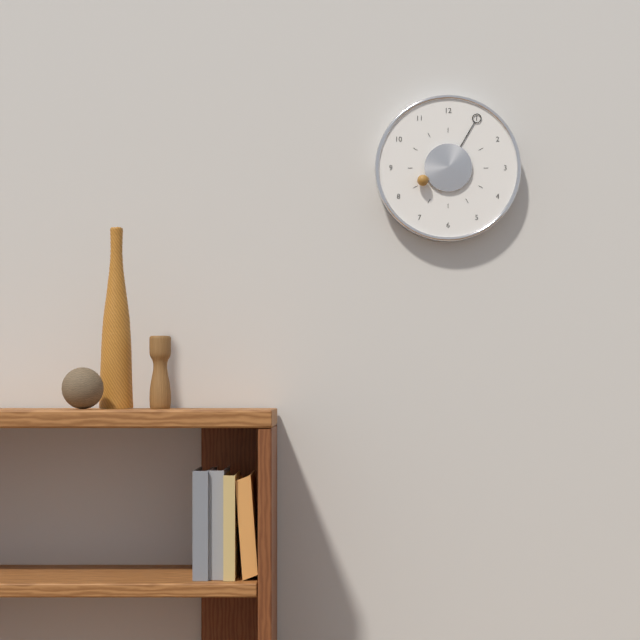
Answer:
{"hour": 8, "minute": 5}
